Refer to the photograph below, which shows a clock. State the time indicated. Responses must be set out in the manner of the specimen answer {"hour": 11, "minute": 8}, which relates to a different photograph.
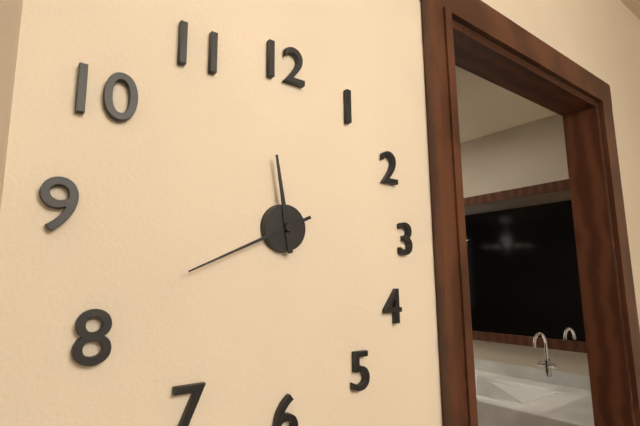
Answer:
{"hour": 11, "minute": 41}
